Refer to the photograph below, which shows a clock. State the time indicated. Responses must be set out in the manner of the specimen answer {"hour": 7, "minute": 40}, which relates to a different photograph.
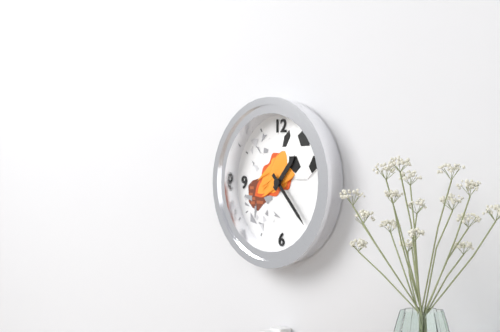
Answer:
{"hour": 1, "minute": 23}
